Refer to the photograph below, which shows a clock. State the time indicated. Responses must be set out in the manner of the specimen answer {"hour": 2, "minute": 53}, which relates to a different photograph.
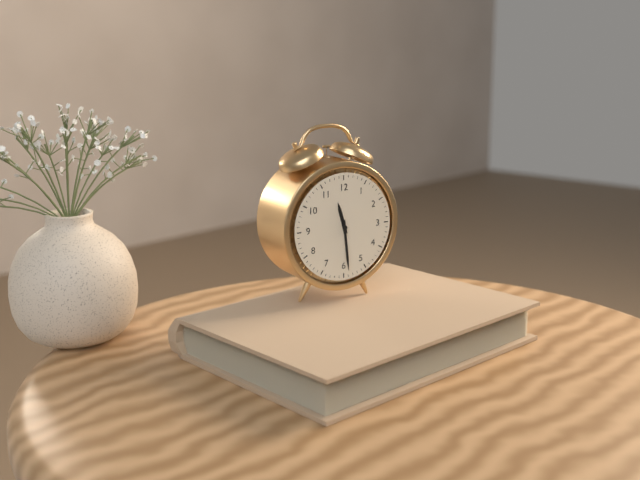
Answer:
{"hour": 11, "minute": 29}
